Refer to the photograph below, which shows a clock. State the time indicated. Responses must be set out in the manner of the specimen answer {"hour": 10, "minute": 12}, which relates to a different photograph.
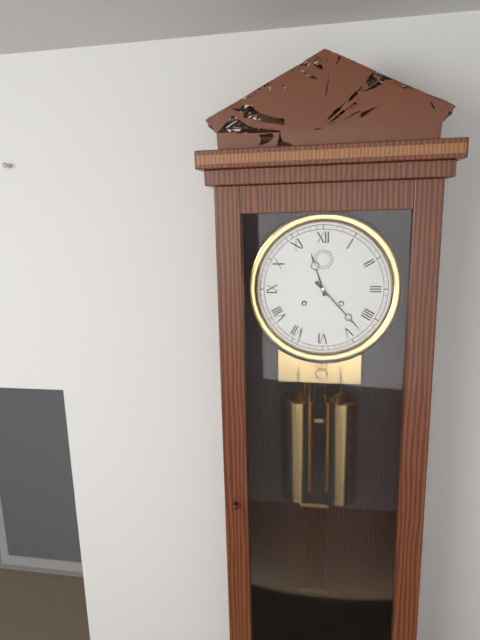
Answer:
{"hour": 11, "minute": 23}
